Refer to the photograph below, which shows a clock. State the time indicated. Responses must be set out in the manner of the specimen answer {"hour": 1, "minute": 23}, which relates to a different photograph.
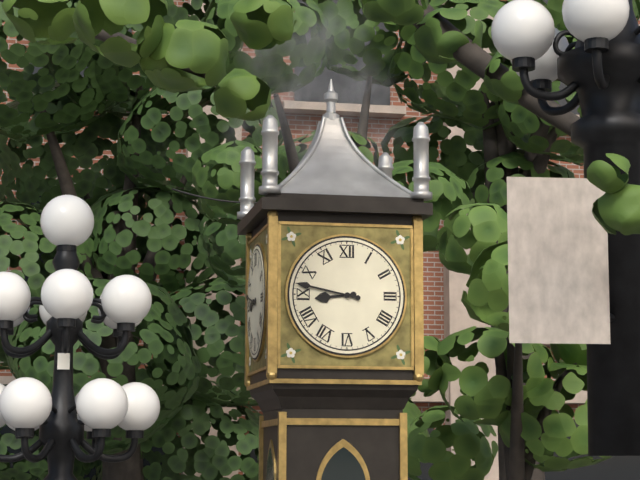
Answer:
{"hour": 8, "minute": 47}
